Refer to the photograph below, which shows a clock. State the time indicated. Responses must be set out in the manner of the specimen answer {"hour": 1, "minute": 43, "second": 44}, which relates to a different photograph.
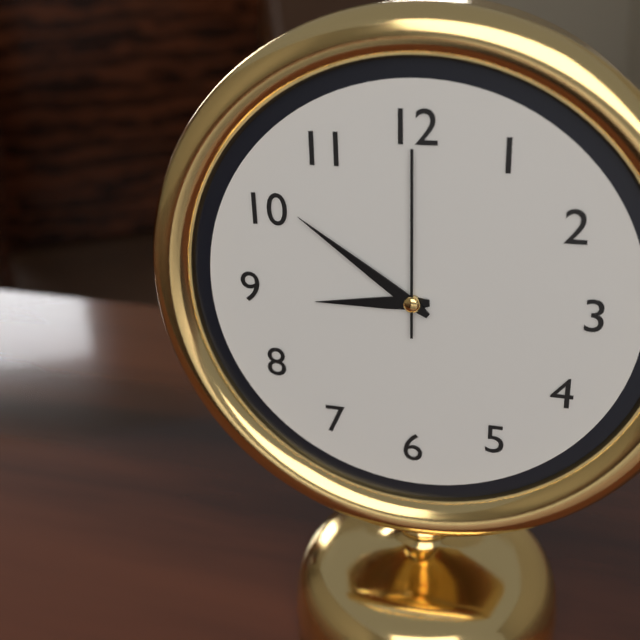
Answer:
{"hour": 8, "minute": 51, "second": 0}
